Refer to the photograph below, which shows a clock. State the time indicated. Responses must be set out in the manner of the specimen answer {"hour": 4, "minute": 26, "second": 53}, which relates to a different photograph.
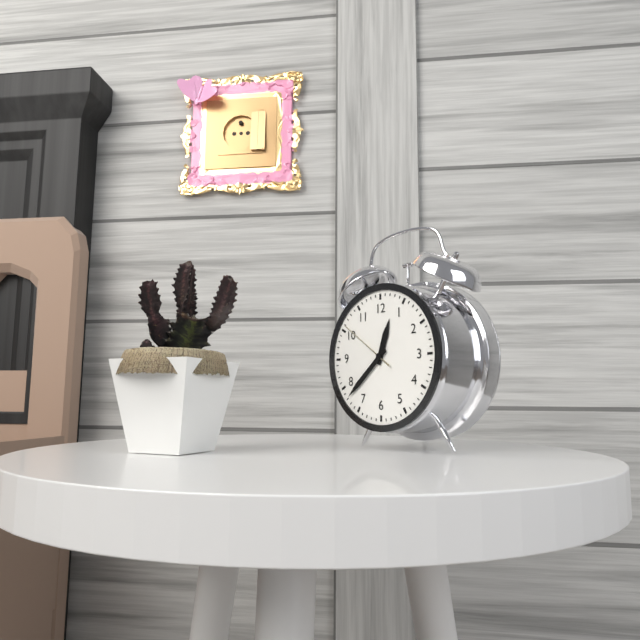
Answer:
{"hour": 12, "minute": 38, "second": 51}
